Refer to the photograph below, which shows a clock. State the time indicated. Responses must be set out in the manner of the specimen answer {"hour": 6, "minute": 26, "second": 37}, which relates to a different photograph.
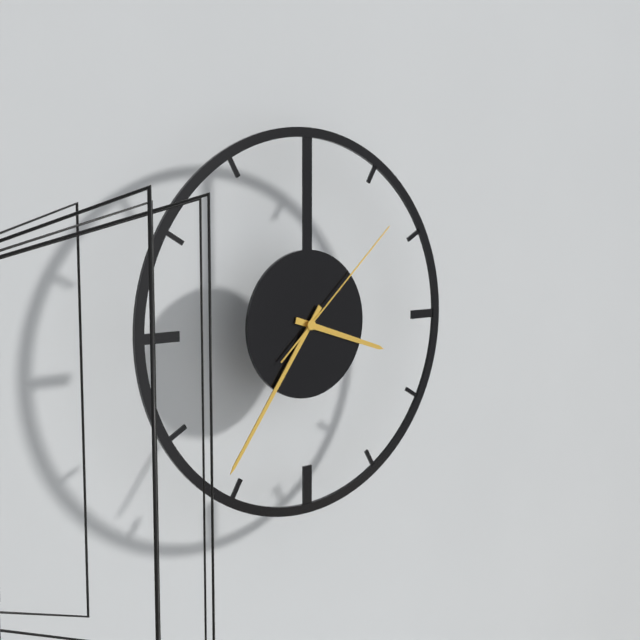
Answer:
{"hour": 3, "minute": 36, "second": 8}
